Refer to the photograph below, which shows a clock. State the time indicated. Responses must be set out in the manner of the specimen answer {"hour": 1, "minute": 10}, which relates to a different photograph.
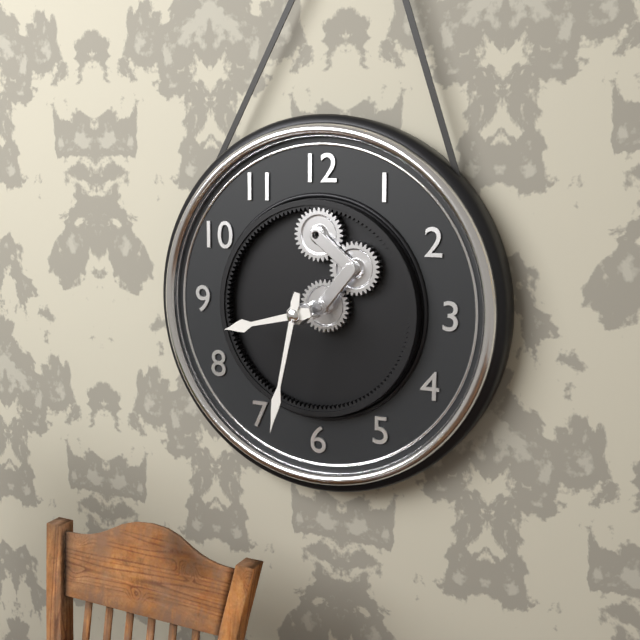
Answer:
{"hour": 8, "minute": 32}
